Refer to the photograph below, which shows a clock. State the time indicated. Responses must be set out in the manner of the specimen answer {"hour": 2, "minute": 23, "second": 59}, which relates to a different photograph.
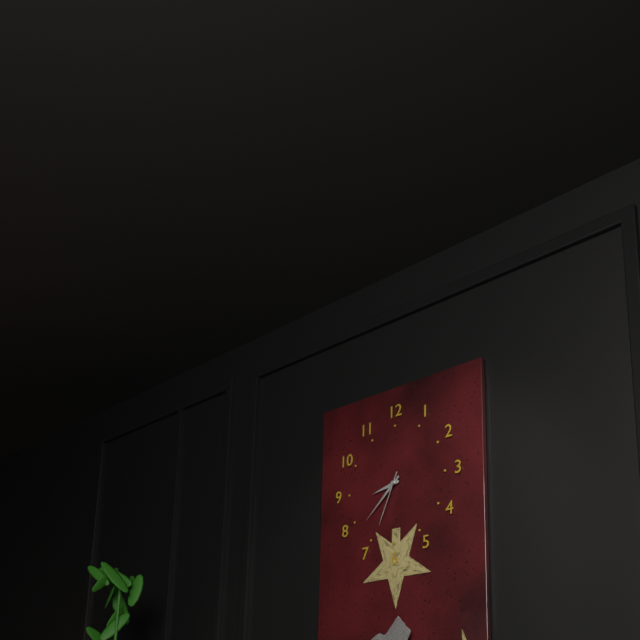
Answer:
{"hour": 8, "minute": 38, "second": 34}
